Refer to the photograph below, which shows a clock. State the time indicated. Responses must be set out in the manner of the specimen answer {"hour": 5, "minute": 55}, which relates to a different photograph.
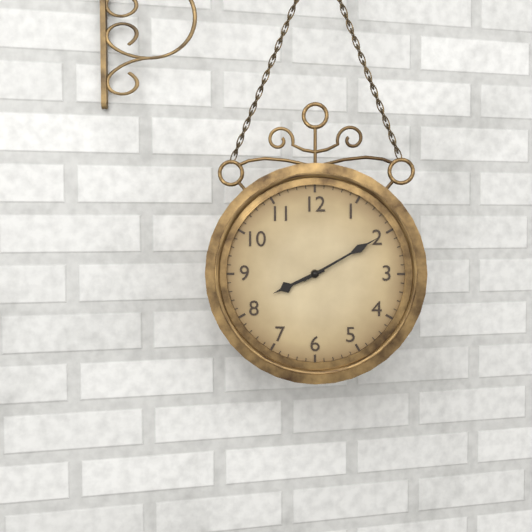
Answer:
{"hour": 8, "minute": 10}
